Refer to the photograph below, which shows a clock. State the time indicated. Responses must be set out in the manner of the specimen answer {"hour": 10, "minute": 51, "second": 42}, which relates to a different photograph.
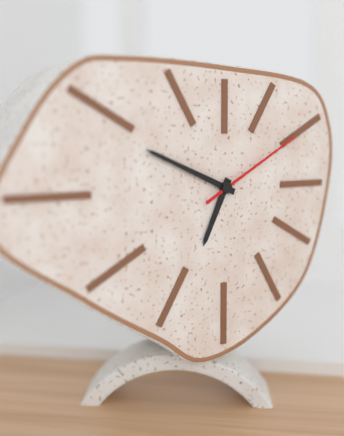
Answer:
{"hour": 6, "minute": 49, "second": 10}
